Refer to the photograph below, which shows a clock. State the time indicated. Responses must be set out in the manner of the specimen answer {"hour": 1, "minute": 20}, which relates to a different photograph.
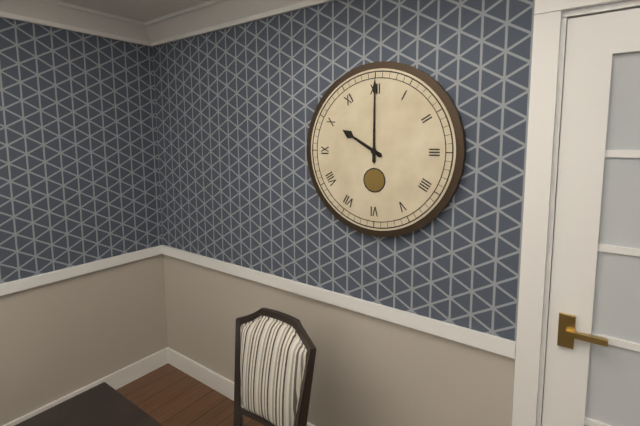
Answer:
{"hour": 10, "minute": 0}
